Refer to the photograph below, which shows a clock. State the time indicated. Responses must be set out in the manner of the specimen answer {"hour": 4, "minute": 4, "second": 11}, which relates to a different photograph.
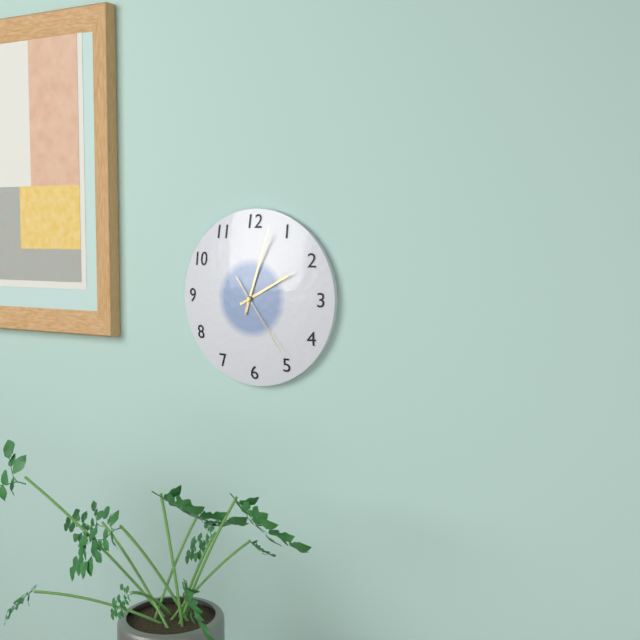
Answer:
{"hour": 2, "minute": 3, "second": 24}
